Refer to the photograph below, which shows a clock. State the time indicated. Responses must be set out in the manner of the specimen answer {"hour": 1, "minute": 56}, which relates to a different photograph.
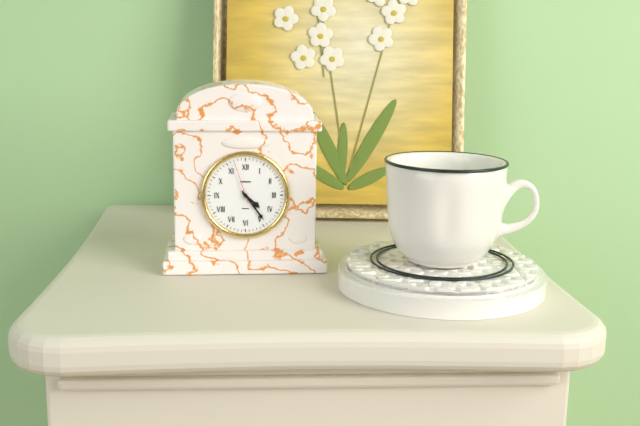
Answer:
{"hour": 4, "minute": 24}
